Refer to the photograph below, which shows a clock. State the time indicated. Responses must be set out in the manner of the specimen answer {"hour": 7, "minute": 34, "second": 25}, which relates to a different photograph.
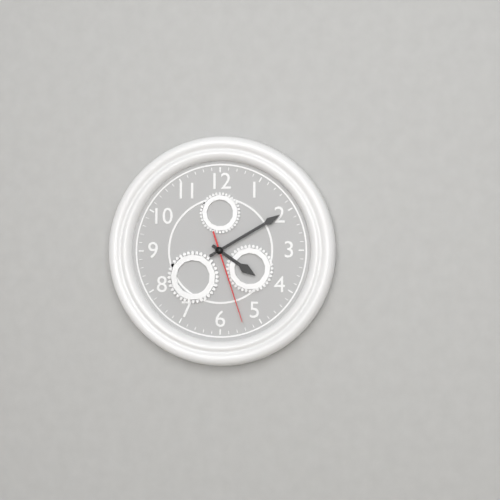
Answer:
{"hour": 4, "minute": 10, "second": 27}
